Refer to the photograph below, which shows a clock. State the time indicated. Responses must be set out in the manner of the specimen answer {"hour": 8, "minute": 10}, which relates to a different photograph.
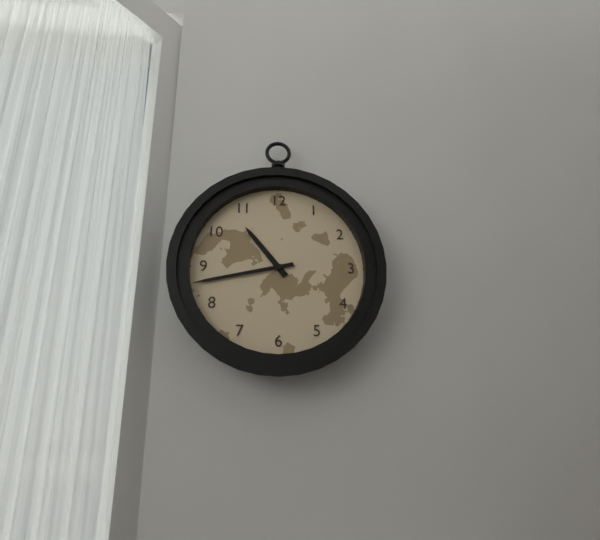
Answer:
{"hour": 10, "minute": 43}
